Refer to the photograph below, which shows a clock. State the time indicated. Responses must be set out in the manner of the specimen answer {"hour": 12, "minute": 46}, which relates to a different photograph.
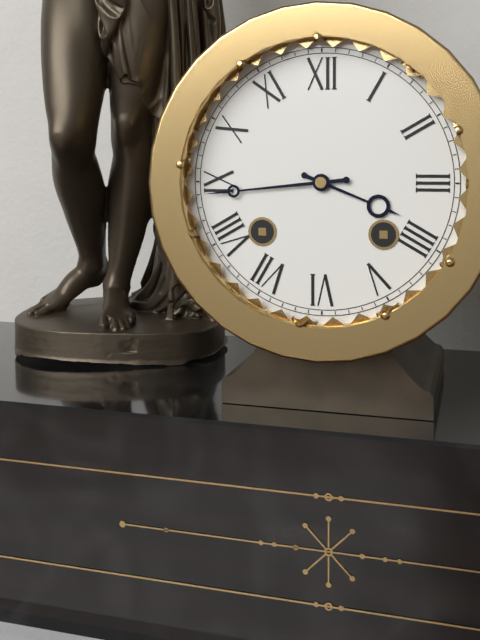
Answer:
{"hour": 3, "minute": 44}
